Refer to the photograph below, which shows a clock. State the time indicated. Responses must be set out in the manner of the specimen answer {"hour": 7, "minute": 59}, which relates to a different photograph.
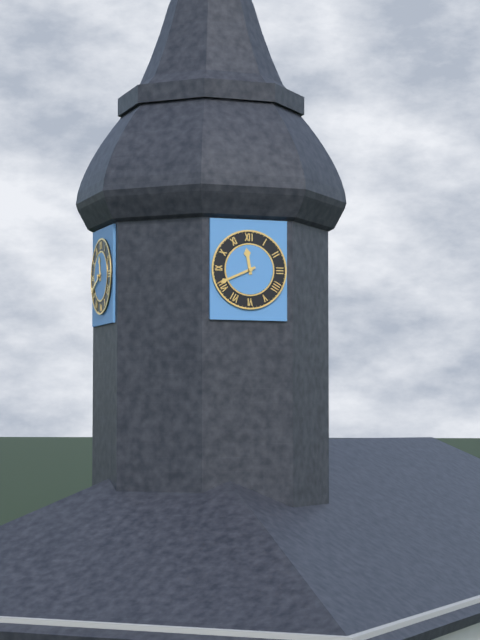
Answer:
{"hour": 11, "minute": 41}
